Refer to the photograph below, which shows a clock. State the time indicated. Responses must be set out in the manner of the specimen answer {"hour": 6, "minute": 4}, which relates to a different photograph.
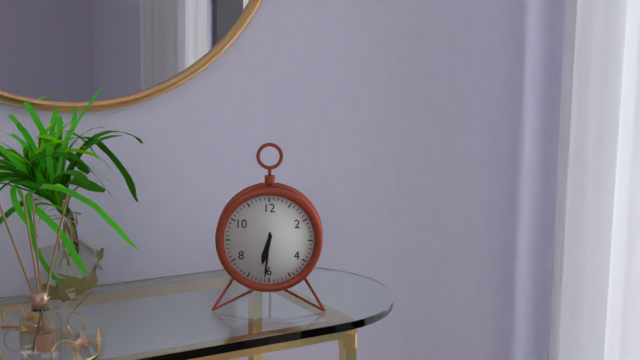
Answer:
{"hour": 6, "minute": 31}
